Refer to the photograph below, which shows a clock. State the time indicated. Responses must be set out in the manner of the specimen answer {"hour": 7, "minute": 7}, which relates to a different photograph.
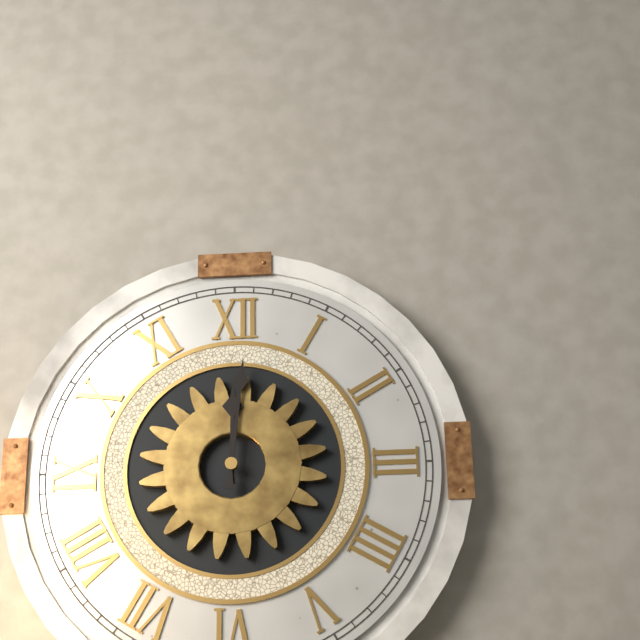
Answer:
{"hour": 12, "minute": 1}
